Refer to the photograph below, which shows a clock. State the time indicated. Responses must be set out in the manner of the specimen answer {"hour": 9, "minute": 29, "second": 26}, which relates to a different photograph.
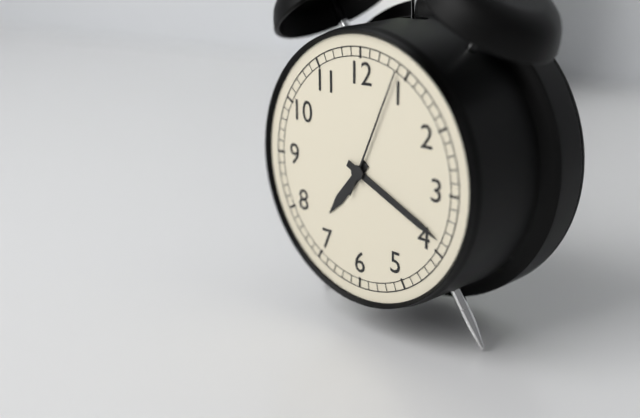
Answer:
{"hour": 7, "minute": 19, "second": 4}
